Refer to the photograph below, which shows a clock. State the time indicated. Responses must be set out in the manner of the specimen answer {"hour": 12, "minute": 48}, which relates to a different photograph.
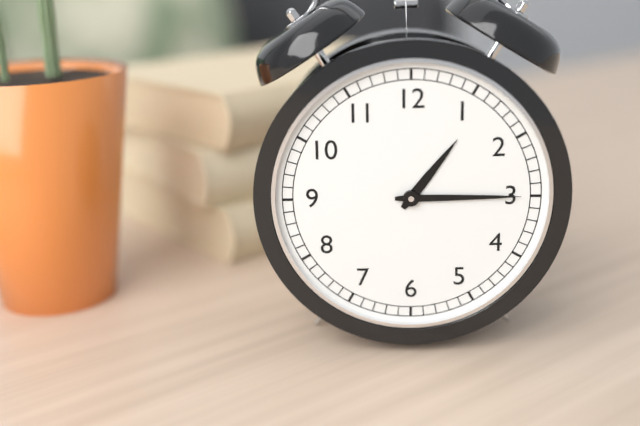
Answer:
{"hour": 1, "minute": 15}
